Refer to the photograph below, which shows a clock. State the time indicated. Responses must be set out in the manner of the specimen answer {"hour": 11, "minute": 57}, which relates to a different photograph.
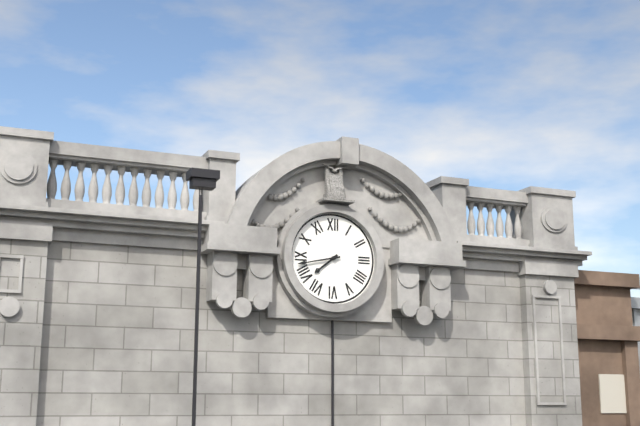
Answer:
{"hour": 7, "minute": 43}
